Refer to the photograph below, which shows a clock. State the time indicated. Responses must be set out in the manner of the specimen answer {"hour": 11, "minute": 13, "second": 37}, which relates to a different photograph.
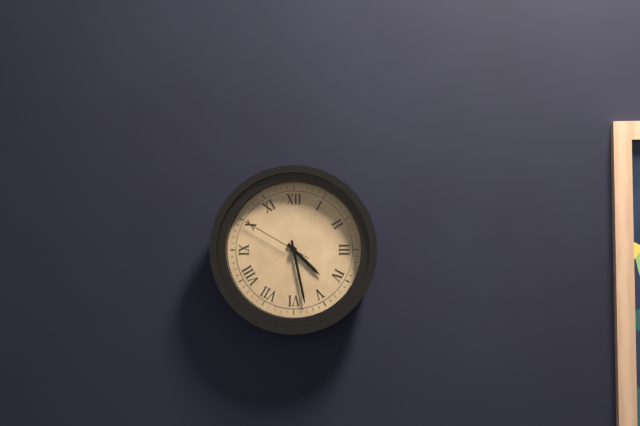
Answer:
{"hour": 4, "minute": 28, "second": 50}
